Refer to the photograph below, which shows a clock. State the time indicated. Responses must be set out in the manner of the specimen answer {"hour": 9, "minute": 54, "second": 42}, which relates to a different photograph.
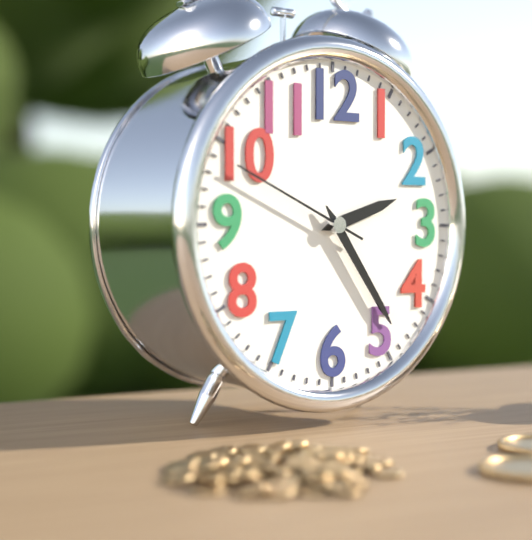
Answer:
{"hour": 2, "minute": 24, "second": 49}
